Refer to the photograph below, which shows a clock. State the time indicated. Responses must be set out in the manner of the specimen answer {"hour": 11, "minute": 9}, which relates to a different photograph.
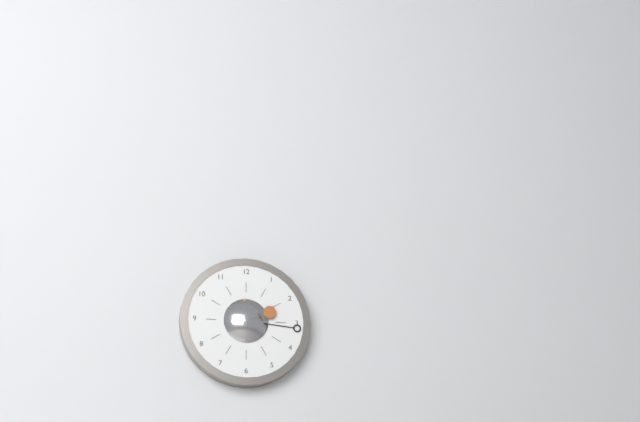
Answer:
{"hour": 2, "minute": 16}
